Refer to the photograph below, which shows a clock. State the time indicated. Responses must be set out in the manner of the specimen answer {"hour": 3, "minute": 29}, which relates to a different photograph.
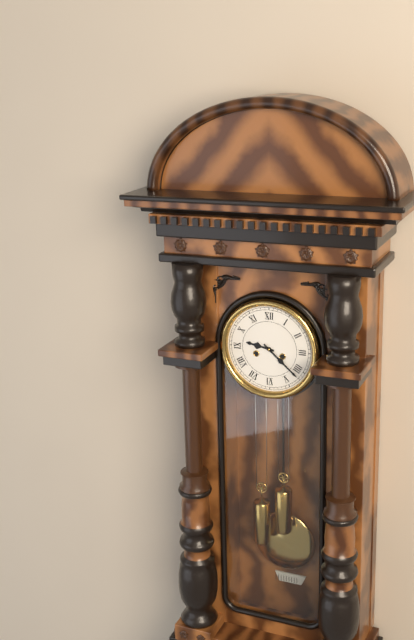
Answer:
{"hour": 9, "minute": 22}
